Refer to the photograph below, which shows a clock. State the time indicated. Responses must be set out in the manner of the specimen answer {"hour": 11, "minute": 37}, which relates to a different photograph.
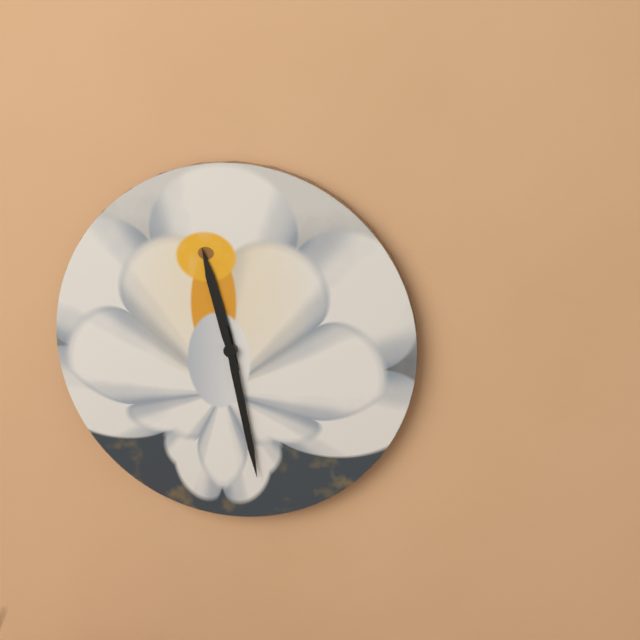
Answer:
{"hour": 11, "minute": 28}
